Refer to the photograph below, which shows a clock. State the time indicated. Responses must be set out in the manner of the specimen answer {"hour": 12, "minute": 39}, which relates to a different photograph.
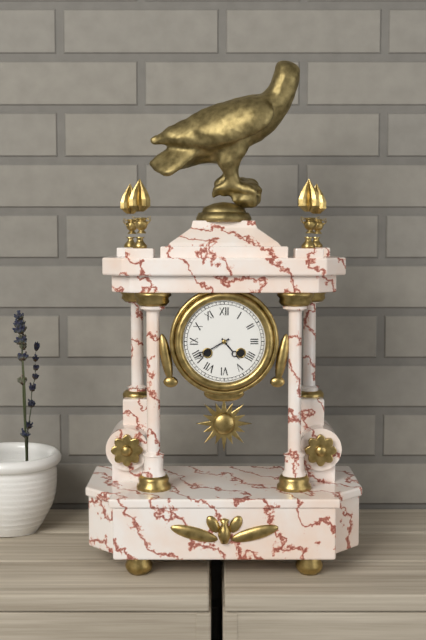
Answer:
{"hour": 4, "minute": 40}
